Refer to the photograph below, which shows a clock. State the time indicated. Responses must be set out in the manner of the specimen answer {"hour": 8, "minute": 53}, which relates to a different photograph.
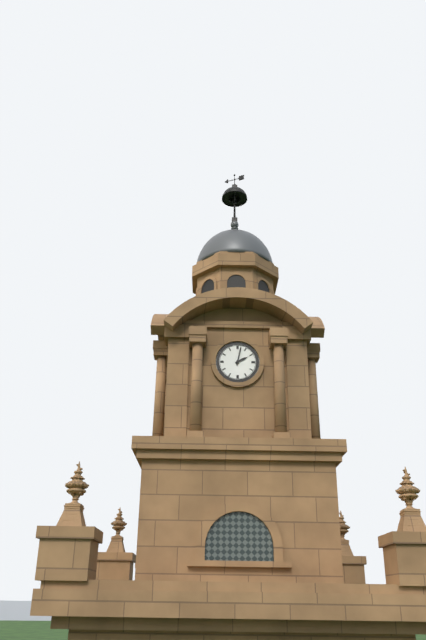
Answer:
{"hour": 2, "minute": 2}
